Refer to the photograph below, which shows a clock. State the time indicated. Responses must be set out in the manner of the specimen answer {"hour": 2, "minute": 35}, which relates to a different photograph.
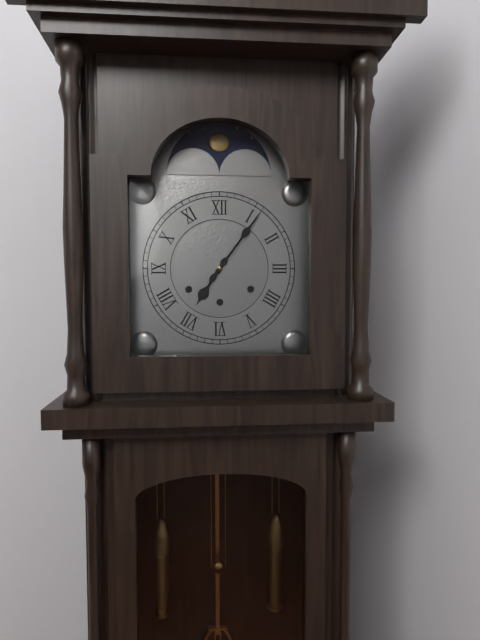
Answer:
{"hour": 7, "minute": 6}
